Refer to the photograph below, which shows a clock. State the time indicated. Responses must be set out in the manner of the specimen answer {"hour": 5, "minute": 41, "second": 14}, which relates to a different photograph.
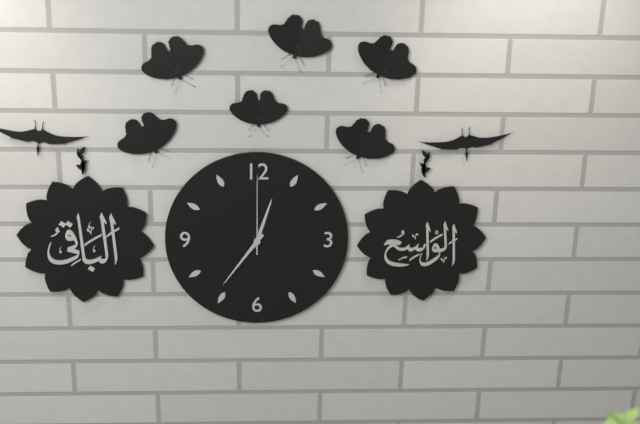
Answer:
{"hour": 12, "minute": 36, "second": 0}
